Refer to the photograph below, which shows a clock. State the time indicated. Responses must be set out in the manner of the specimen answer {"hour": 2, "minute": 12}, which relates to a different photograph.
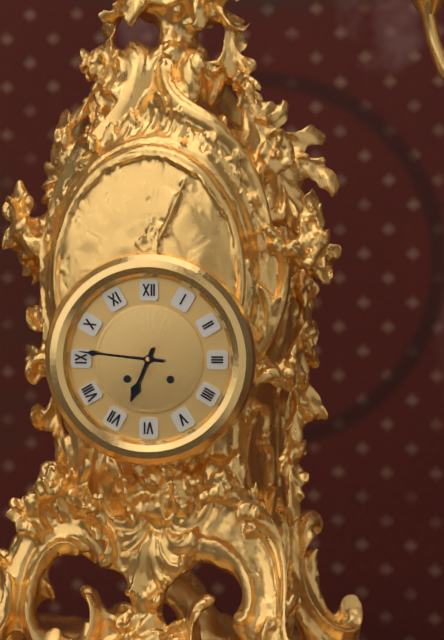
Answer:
{"hour": 6, "minute": 46}
